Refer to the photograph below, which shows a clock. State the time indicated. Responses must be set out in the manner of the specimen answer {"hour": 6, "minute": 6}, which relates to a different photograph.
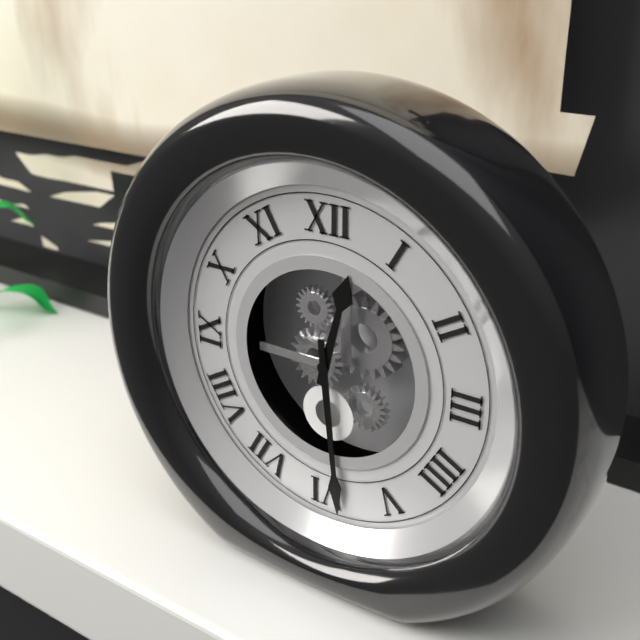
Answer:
{"hour": 12, "minute": 29}
